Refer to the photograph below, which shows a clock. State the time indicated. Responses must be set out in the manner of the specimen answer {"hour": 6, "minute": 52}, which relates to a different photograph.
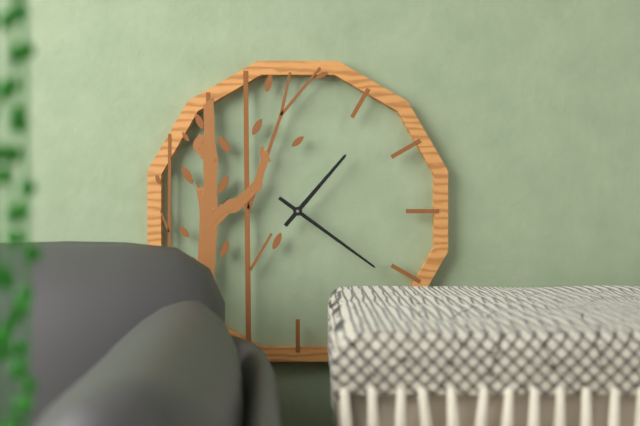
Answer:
{"hour": 1, "minute": 21}
